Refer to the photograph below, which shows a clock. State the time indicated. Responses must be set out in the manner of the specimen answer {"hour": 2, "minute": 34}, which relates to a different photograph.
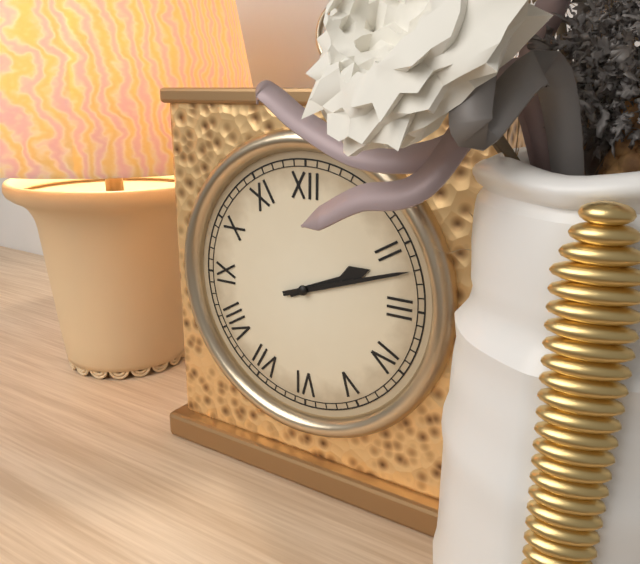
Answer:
{"hour": 2, "minute": 12}
